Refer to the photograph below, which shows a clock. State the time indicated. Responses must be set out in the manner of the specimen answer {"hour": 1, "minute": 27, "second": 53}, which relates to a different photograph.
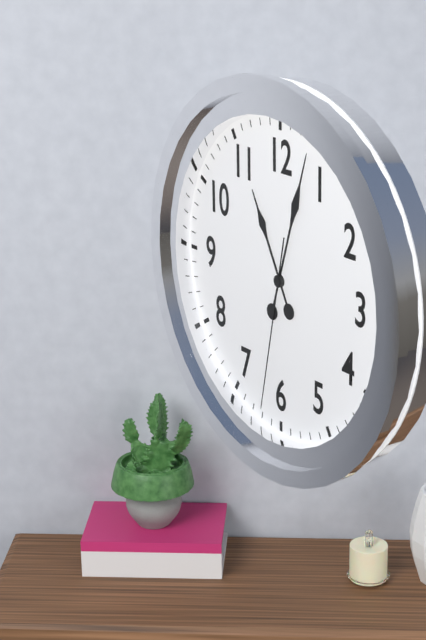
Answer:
{"hour": 11, "minute": 3, "second": 32}
